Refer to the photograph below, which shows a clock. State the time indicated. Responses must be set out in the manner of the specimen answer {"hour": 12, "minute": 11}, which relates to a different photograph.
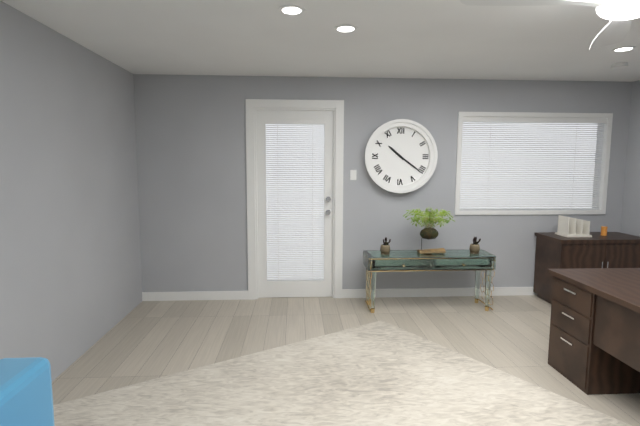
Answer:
{"hour": 10, "minute": 21}
